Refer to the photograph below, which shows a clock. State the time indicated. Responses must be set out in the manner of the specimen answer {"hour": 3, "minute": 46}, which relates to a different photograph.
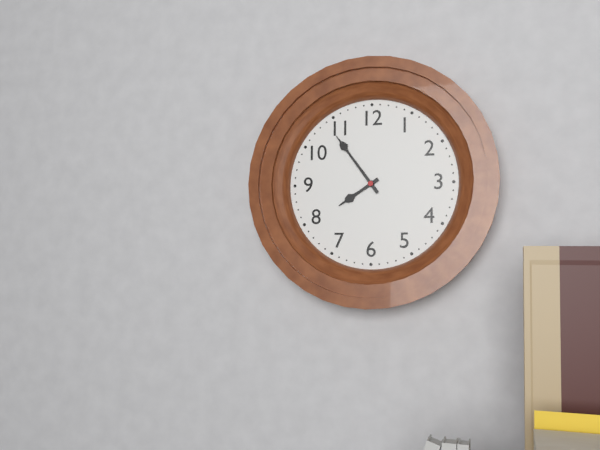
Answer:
{"hour": 7, "minute": 54}
